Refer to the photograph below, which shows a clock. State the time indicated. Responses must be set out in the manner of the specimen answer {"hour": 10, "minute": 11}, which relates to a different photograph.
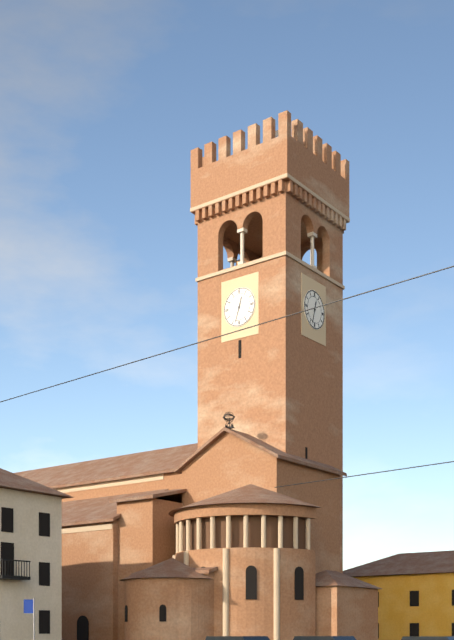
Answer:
{"hour": 12, "minute": 33}
